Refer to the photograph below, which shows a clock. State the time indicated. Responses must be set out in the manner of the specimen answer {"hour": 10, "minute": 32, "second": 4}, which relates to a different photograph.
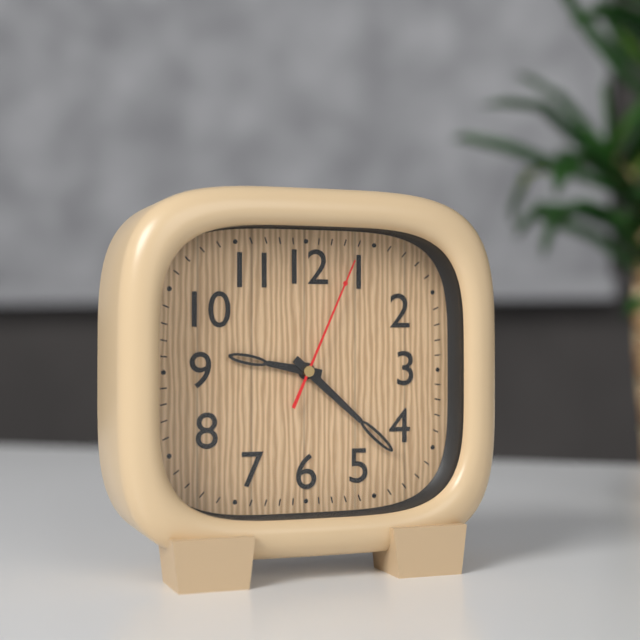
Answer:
{"hour": 9, "minute": 22, "second": 4}
